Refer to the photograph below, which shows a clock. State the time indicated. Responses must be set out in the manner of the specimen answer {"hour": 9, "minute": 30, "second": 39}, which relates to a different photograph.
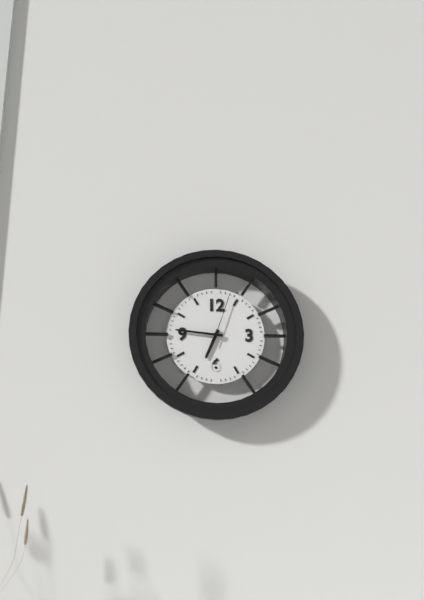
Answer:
{"hour": 6, "minute": 46, "second": 3}
